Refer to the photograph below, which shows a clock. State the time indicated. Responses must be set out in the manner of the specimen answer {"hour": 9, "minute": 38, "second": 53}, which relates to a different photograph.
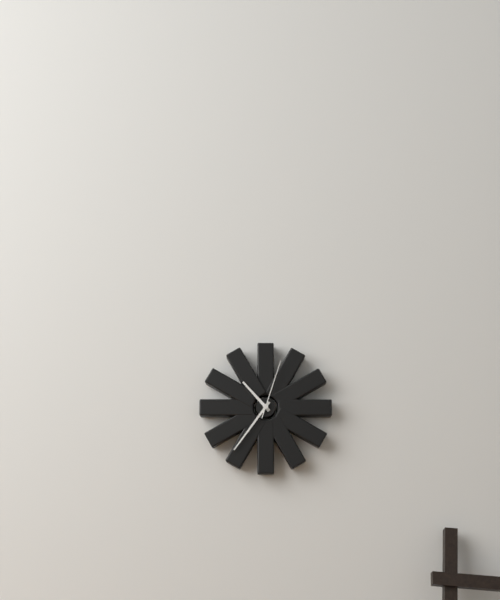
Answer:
{"hour": 10, "minute": 36, "second": 3}
